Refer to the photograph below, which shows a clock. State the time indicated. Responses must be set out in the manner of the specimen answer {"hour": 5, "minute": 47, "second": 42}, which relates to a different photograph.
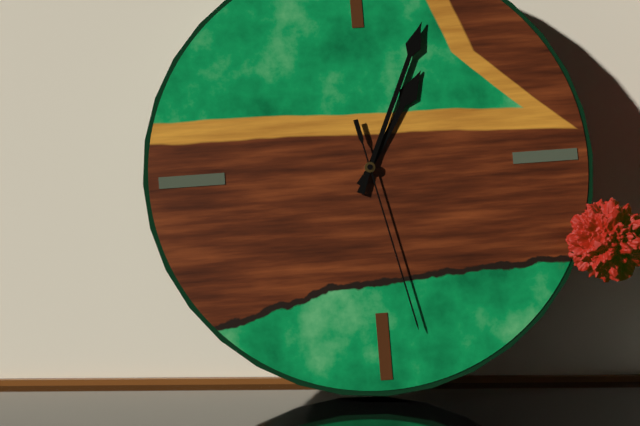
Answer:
{"hour": 1, "minute": 4, "second": 28}
